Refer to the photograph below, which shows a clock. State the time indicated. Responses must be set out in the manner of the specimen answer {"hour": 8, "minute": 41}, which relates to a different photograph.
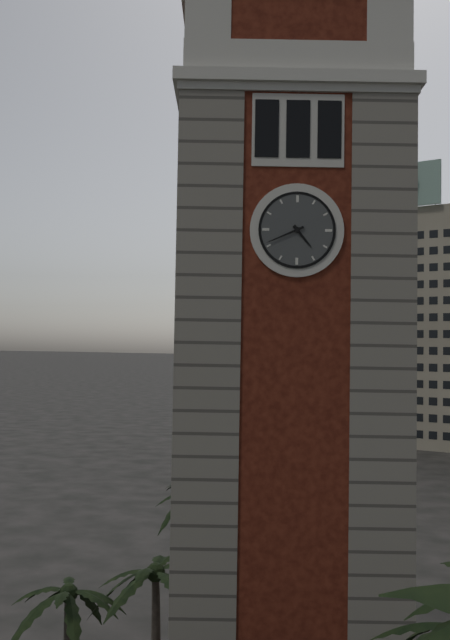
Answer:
{"hour": 4, "minute": 41}
